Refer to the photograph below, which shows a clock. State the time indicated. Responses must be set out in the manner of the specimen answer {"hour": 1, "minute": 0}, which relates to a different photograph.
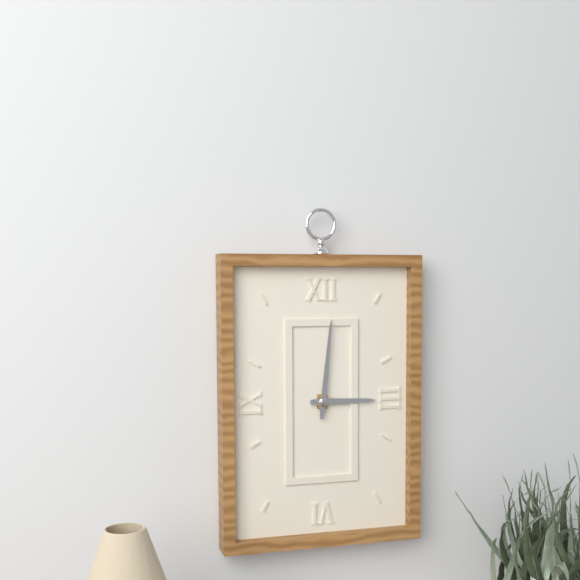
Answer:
{"hour": 3, "minute": 1}
